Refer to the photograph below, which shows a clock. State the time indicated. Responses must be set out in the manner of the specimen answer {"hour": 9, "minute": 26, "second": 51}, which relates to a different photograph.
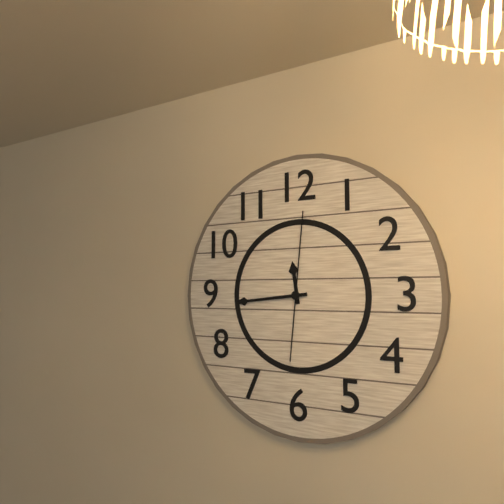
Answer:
{"hour": 11, "minute": 44, "second": 1}
